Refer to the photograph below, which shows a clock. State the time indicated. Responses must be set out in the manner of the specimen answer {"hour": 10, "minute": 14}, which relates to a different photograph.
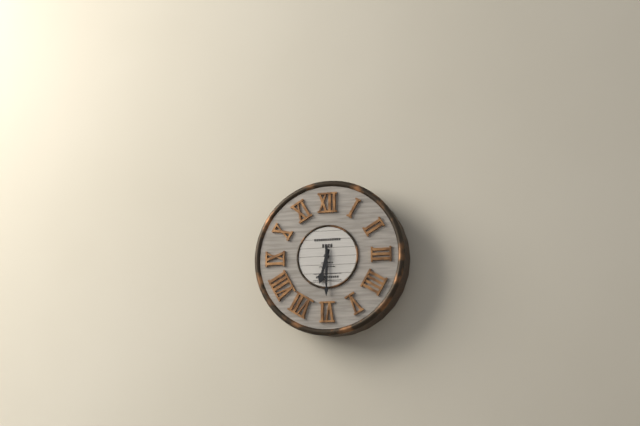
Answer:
{"hour": 6, "minute": 30}
